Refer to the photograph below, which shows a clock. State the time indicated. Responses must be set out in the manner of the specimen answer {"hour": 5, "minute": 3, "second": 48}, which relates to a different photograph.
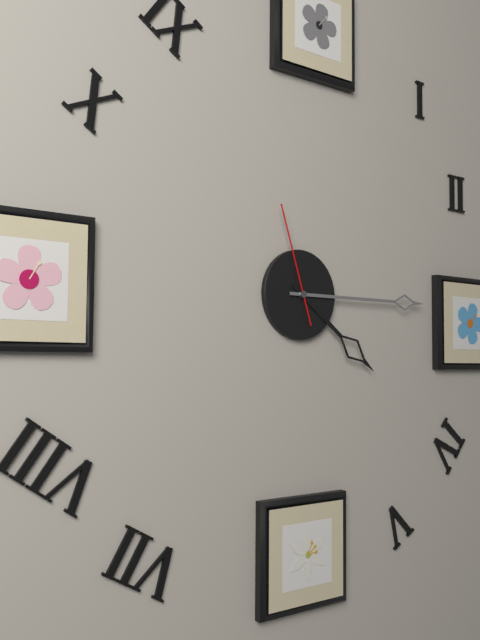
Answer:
{"hour": 4, "minute": 15, "second": 57}
